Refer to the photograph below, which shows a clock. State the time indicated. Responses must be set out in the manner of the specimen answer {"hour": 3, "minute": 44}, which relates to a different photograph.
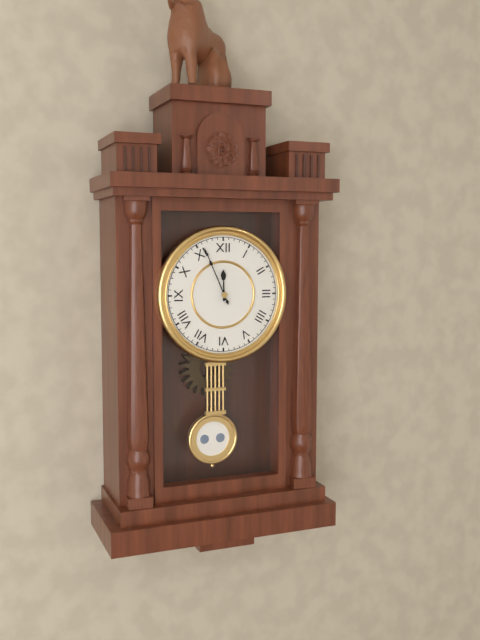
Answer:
{"hour": 11, "minute": 56}
